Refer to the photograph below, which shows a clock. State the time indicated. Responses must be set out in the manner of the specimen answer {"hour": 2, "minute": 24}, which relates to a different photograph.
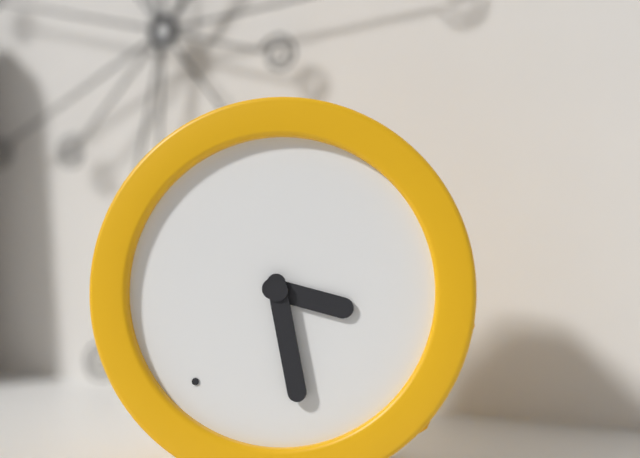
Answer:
{"hour": 3, "minute": 28}
